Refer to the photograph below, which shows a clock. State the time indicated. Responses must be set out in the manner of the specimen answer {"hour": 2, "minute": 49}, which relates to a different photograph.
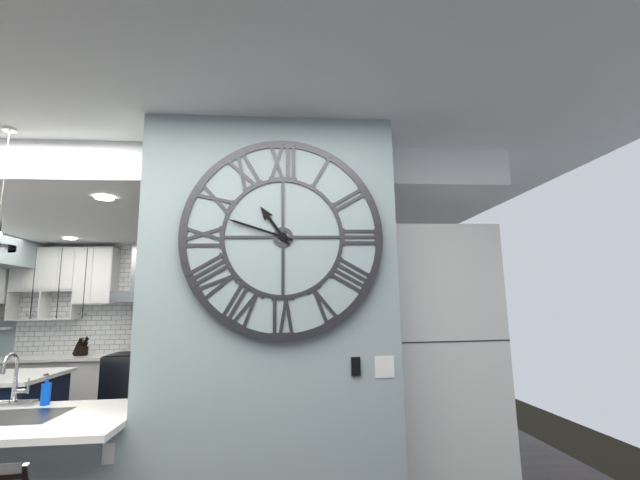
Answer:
{"hour": 10, "minute": 48}
